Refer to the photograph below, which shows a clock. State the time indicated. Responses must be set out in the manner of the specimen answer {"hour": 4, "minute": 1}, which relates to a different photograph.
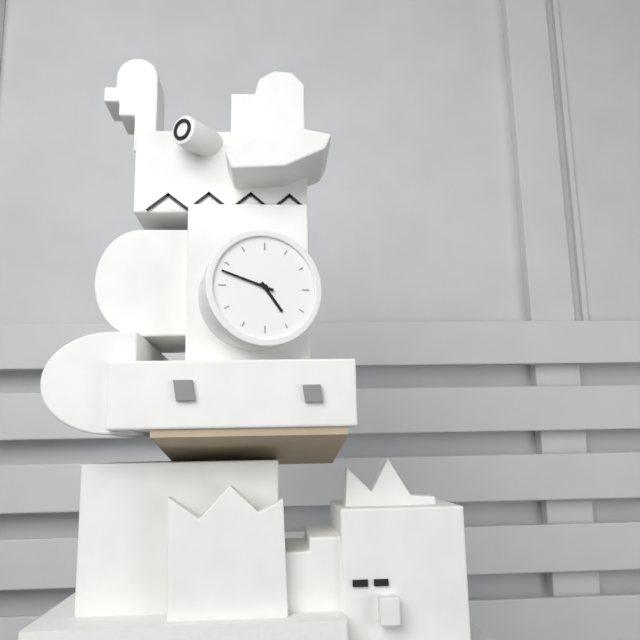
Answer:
{"hour": 4, "minute": 48}
